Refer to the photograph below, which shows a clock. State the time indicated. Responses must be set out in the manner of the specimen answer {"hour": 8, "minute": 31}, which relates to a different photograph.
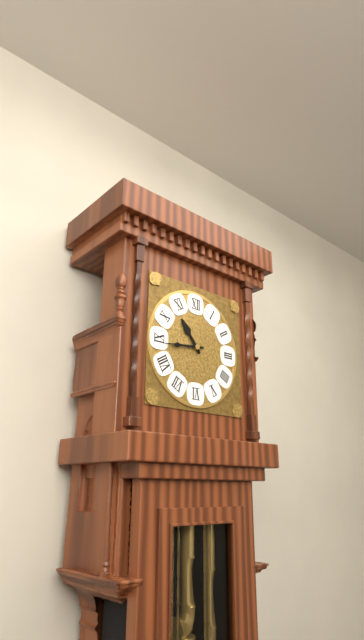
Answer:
{"hour": 10, "minute": 44}
